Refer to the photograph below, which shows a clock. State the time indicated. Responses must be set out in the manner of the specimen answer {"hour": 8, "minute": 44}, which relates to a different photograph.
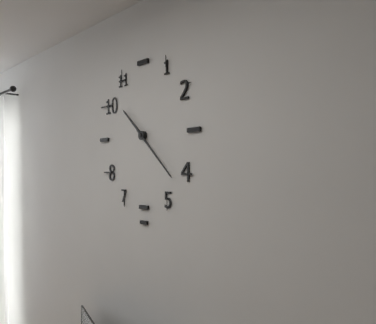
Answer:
{"hour": 10, "minute": 22}
